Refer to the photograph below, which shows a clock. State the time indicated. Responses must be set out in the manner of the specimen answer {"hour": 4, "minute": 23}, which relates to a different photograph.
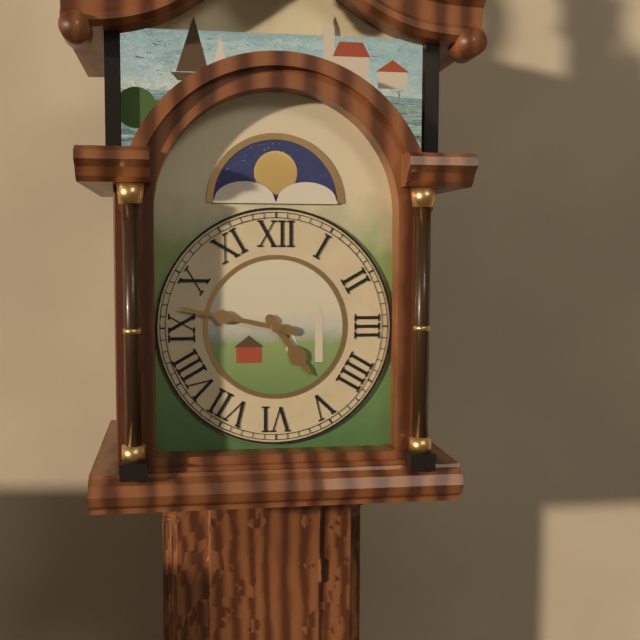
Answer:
{"hour": 4, "minute": 47}
